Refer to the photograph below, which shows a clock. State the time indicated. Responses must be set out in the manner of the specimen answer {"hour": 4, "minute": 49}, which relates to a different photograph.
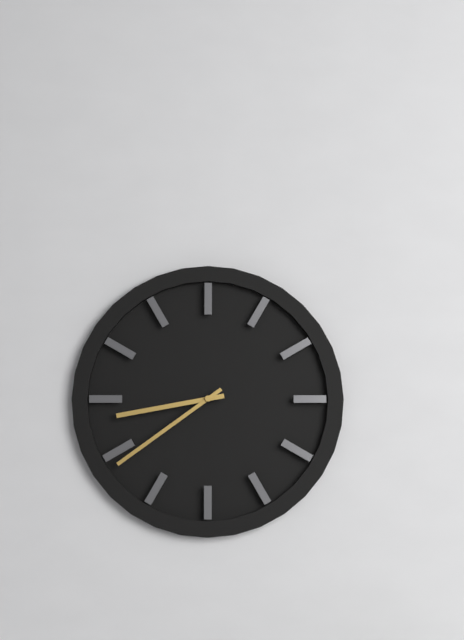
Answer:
{"hour": 8, "minute": 39}
